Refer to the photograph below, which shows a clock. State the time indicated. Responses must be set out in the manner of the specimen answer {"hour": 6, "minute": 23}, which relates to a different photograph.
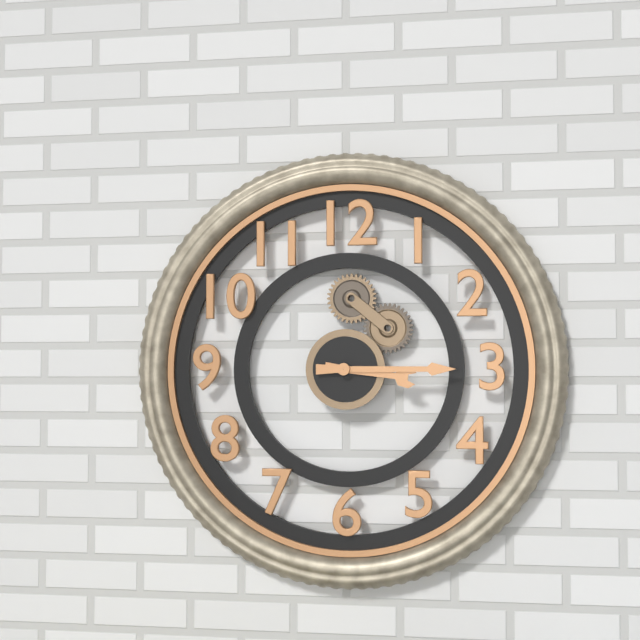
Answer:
{"hour": 3, "minute": 15}
